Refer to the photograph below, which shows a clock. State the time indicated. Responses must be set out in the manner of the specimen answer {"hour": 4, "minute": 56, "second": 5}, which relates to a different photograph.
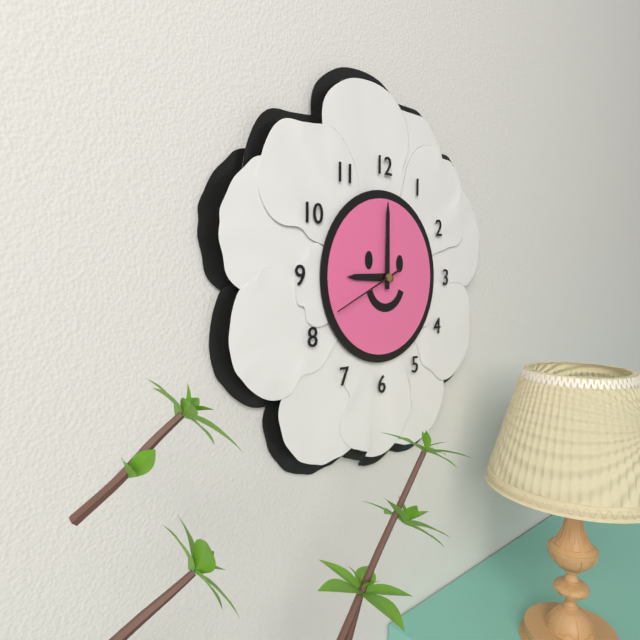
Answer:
{"hour": 9, "minute": 0, "second": 41}
